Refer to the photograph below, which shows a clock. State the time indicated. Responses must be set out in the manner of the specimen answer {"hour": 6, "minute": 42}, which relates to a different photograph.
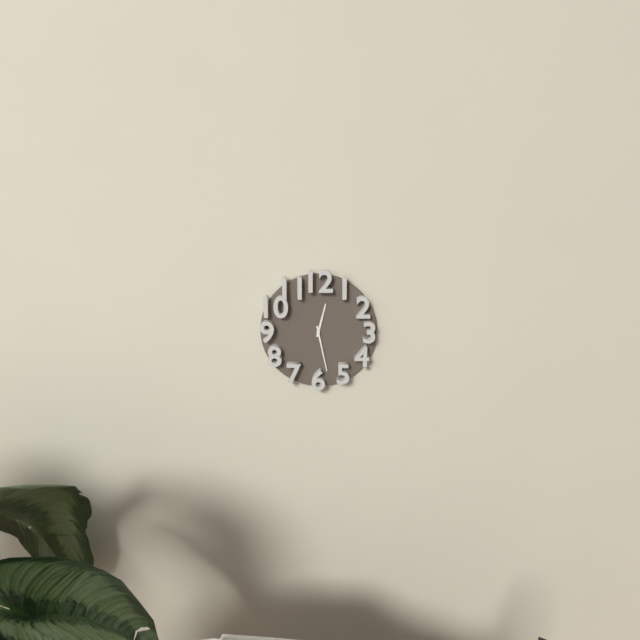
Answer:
{"hour": 12, "minute": 28}
